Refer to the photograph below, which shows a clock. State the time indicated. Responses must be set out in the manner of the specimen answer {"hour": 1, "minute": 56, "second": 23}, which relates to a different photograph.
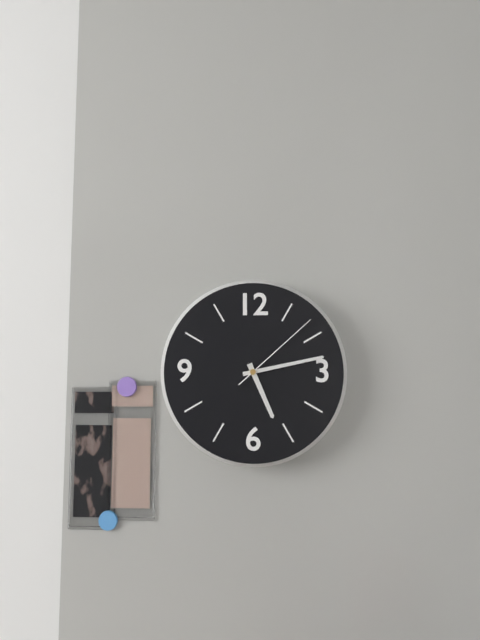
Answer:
{"hour": 5, "minute": 13, "second": 8}
